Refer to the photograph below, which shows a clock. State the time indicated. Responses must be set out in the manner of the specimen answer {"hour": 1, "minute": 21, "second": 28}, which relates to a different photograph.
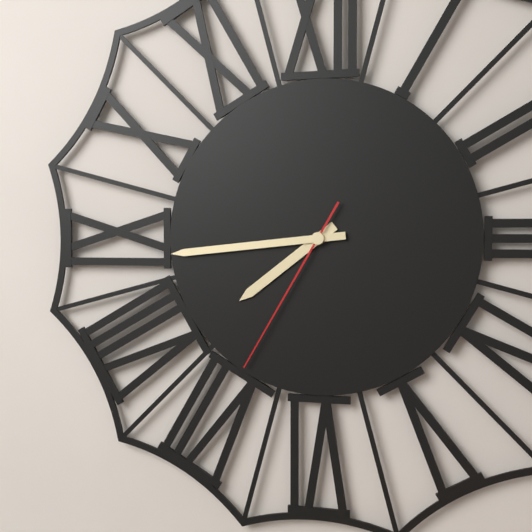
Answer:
{"hour": 7, "minute": 44, "second": 35}
